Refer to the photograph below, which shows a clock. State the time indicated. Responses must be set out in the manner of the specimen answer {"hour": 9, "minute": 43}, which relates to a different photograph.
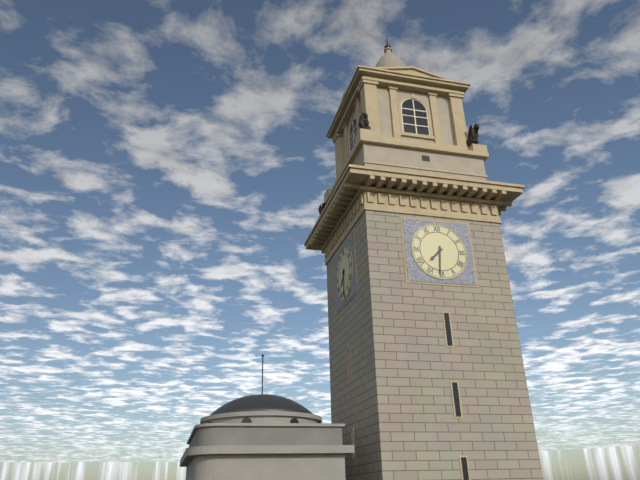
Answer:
{"hour": 7, "minute": 31}
